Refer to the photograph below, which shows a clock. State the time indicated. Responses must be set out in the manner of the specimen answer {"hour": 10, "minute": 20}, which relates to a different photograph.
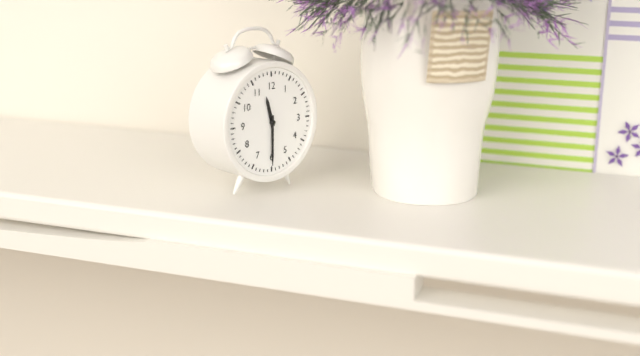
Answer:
{"hour": 11, "minute": 30}
